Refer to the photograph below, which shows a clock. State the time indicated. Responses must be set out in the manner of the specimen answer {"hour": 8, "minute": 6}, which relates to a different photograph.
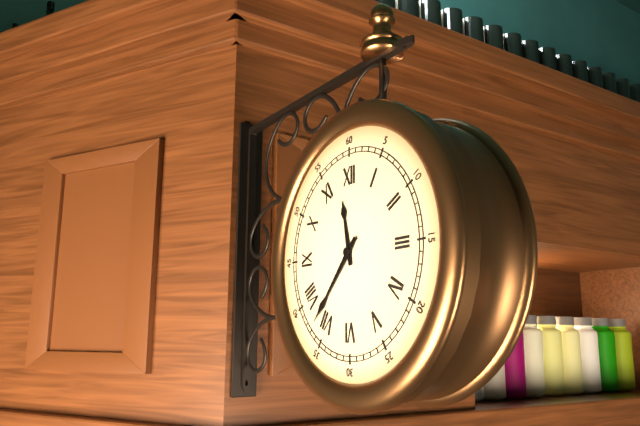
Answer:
{"hour": 11, "minute": 37}
